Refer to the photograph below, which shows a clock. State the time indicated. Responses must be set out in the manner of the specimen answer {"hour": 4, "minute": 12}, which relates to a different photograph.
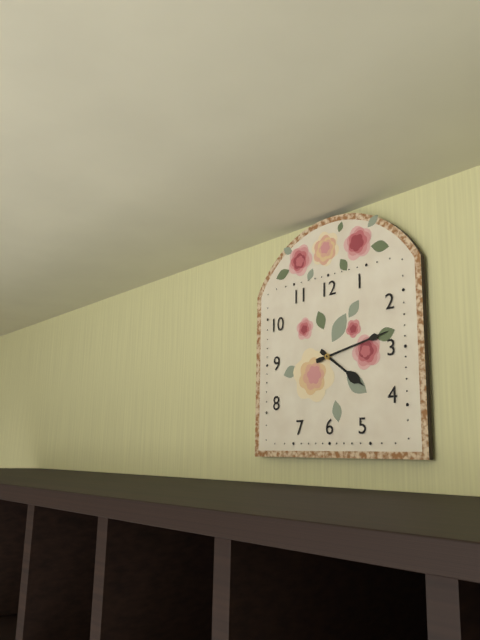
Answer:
{"hour": 4, "minute": 13}
